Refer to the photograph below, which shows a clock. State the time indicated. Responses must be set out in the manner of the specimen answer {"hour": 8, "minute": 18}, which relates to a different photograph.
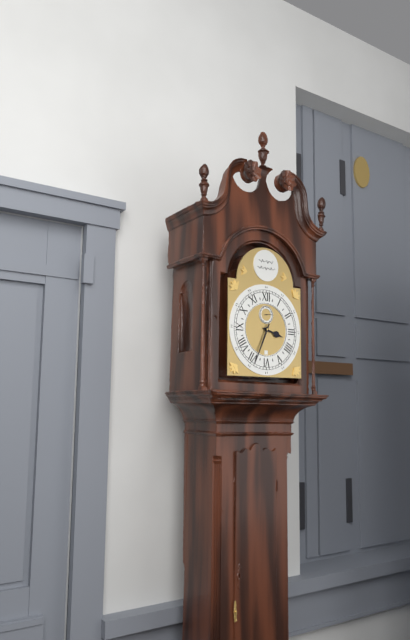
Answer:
{"hour": 3, "minute": 34}
